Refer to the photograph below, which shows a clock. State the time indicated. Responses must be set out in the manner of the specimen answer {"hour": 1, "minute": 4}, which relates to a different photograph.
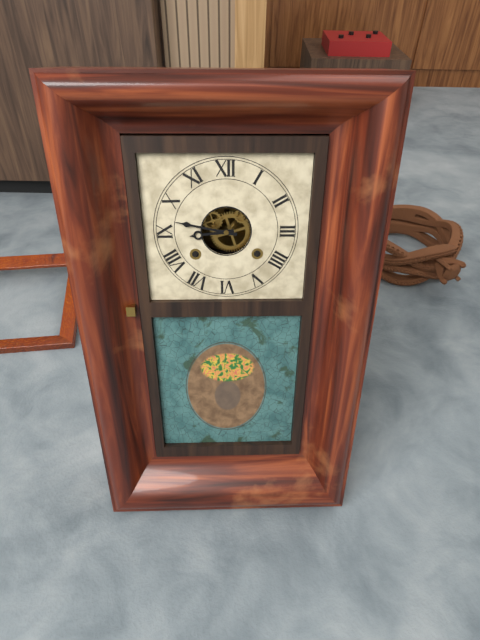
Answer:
{"hour": 8, "minute": 47}
